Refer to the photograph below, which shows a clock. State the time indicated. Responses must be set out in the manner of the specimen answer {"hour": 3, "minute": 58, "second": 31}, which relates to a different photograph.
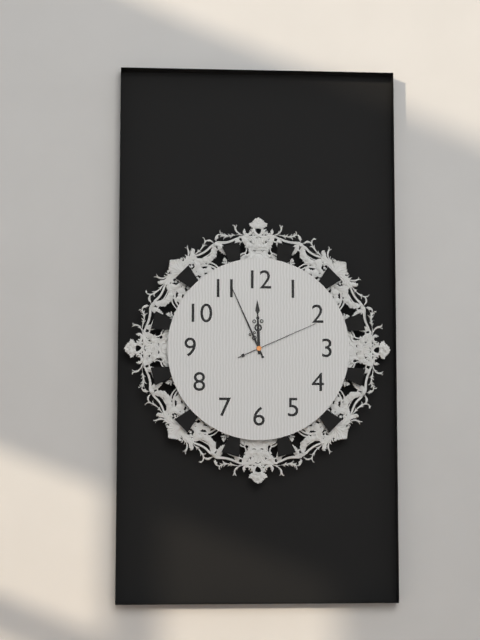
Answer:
{"hour": 11, "minute": 56, "second": 11}
